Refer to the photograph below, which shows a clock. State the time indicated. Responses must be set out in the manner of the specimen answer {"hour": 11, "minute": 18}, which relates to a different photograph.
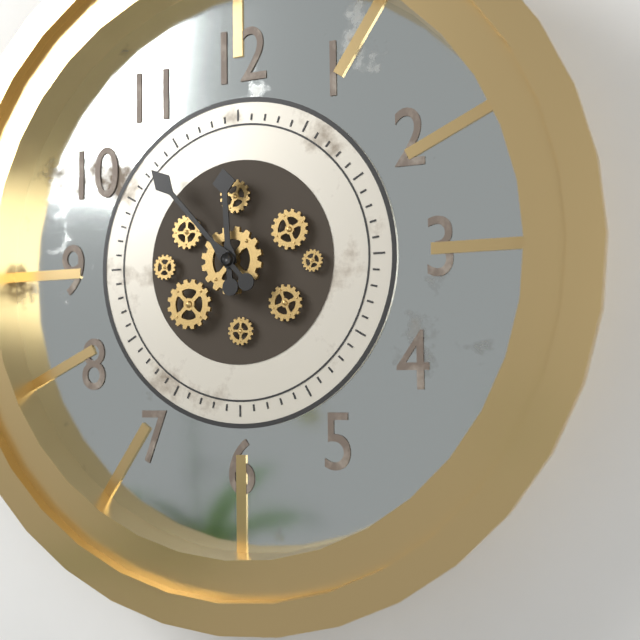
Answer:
{"hour": 11, "minute": 53}
